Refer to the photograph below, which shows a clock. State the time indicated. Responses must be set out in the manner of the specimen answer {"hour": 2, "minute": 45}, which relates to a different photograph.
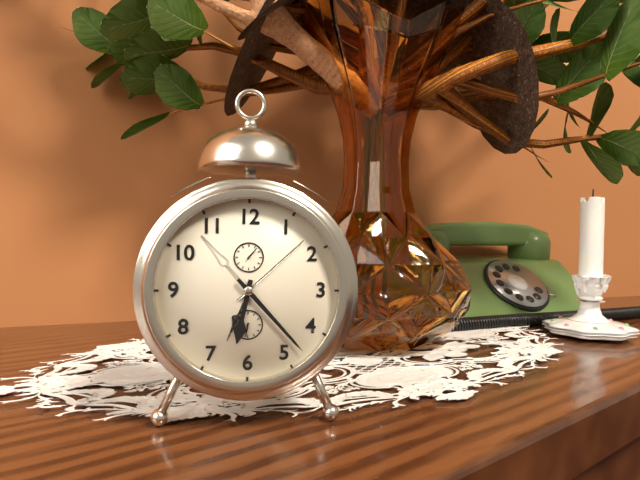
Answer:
{"hour": 6, "minute": 23}
